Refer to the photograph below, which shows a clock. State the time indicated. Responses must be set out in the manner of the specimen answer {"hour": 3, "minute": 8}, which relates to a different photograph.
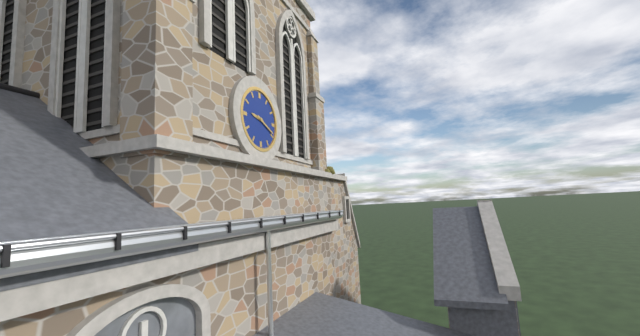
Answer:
{"hour": 9, "minute": 19}
